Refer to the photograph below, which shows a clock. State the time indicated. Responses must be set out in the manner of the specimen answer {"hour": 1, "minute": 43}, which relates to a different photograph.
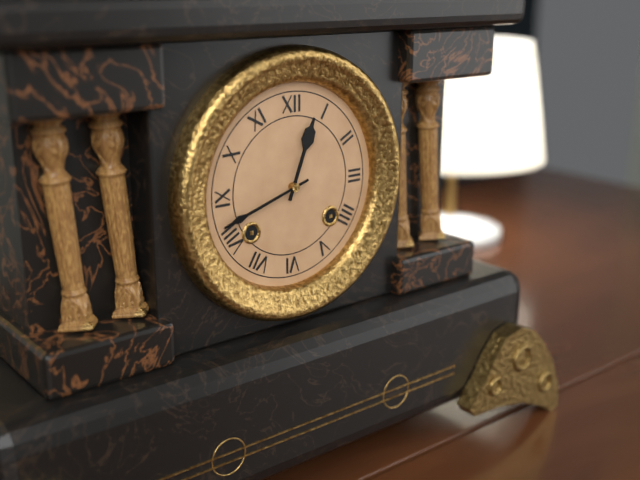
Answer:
{"hour": 12, "minute": 42}
